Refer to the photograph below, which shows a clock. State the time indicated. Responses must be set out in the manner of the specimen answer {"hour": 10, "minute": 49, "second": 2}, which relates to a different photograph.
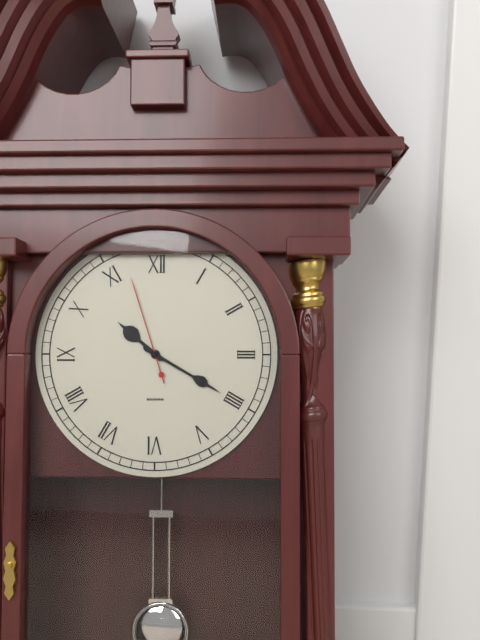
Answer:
{"hour": 10, "minute": 20, "second": 57}
